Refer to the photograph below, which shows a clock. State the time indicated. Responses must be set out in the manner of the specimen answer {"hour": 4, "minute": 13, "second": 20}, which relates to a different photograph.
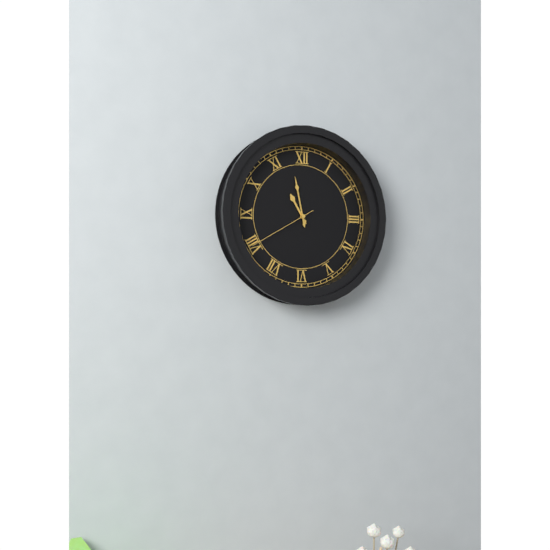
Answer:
{"hour": 10, "minute": 58, "second": 40}
